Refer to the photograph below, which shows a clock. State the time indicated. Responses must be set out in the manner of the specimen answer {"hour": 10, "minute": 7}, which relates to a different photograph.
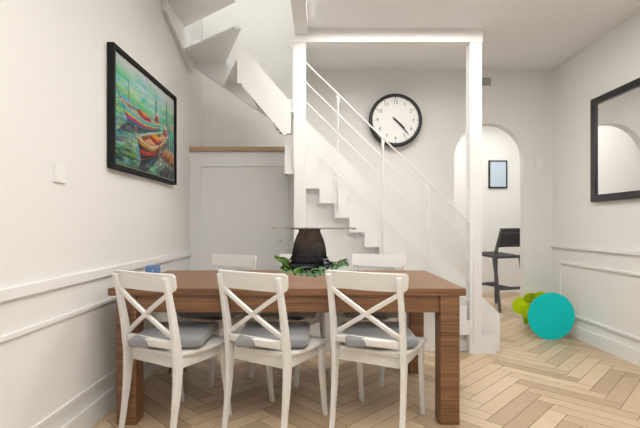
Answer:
{"hour": 4, "minute": 23}
